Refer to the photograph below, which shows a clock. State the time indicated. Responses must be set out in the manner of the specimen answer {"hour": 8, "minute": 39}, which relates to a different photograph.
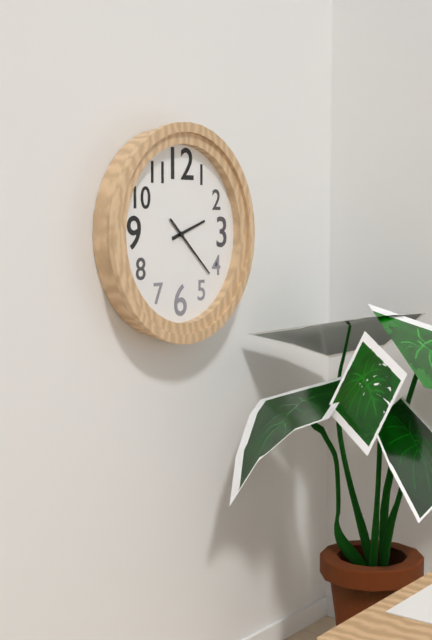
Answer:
{"hour": 2, "minute": 22}
